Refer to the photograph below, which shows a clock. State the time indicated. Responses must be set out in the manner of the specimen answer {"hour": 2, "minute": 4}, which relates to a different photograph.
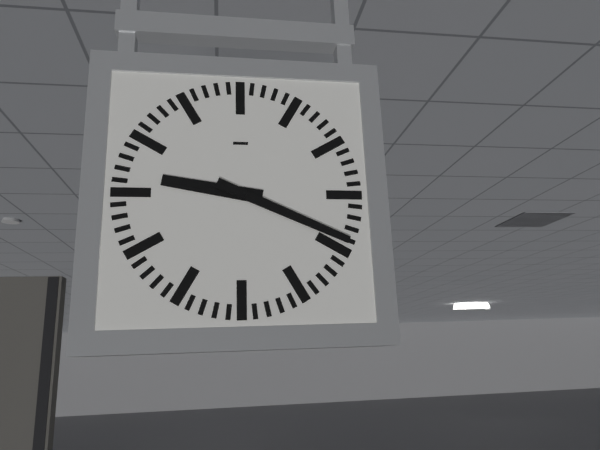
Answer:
{"hour": 9, "minute": 19}
